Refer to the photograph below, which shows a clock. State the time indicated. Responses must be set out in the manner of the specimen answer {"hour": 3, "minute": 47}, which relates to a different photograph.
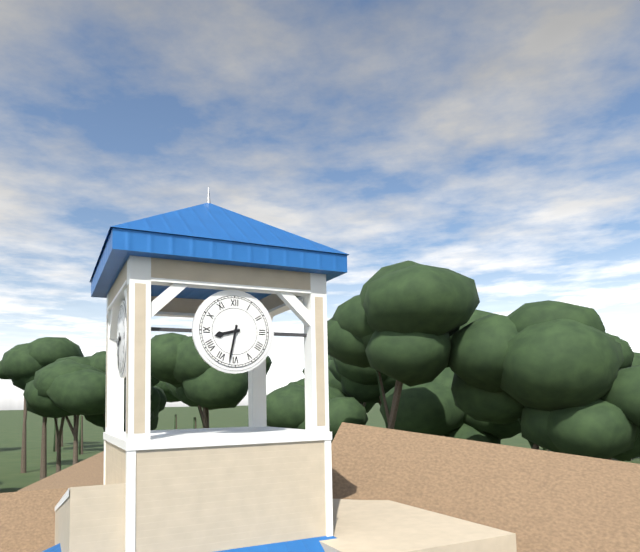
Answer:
{"hour": 8, "minute": 32}
